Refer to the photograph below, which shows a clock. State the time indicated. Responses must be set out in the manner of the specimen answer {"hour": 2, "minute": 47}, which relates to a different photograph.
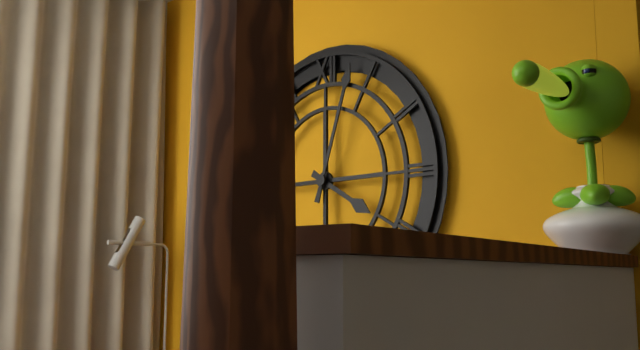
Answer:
{"hour": 4, "minute": 3}
